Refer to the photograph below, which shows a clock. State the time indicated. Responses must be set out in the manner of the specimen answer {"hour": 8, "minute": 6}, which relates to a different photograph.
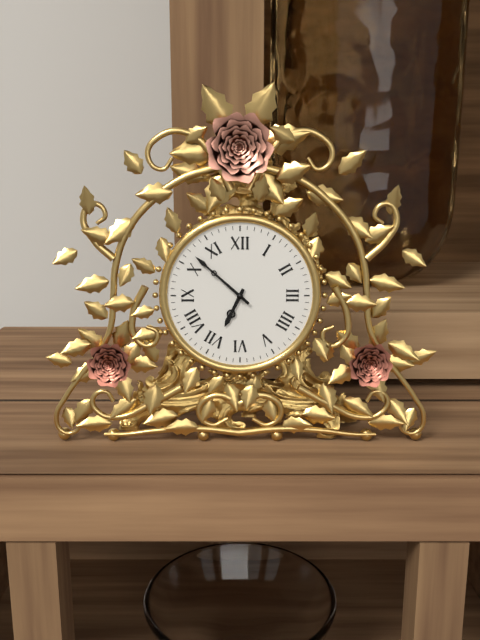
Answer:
{"hour": 6, "minute": 52}
